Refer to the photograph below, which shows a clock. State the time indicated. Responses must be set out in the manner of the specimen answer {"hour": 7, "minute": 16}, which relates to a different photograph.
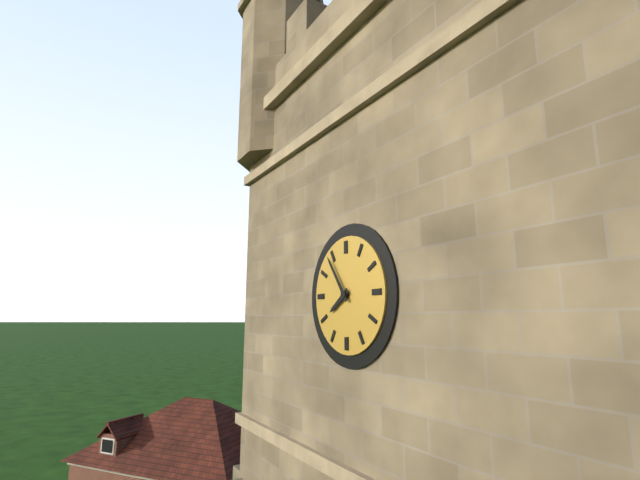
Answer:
{"hour": 7, "minute": 54}
